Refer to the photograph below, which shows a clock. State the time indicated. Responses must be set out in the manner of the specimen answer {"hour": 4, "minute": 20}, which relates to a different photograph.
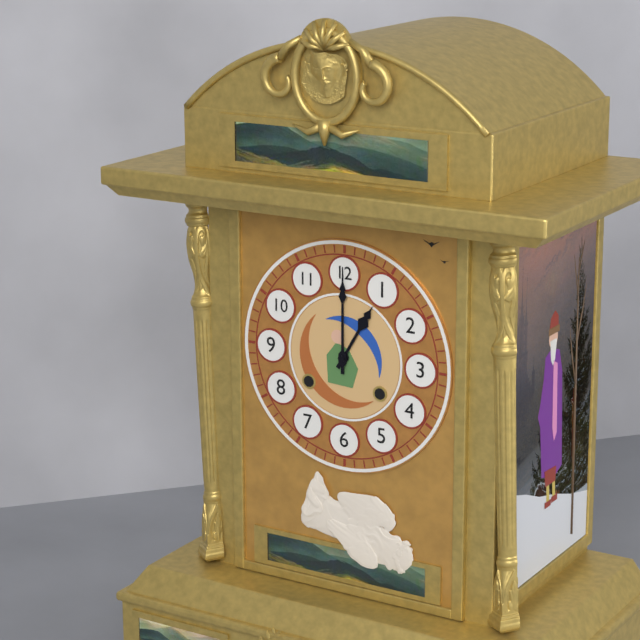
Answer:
{"hour": 1, "minute": 0}
